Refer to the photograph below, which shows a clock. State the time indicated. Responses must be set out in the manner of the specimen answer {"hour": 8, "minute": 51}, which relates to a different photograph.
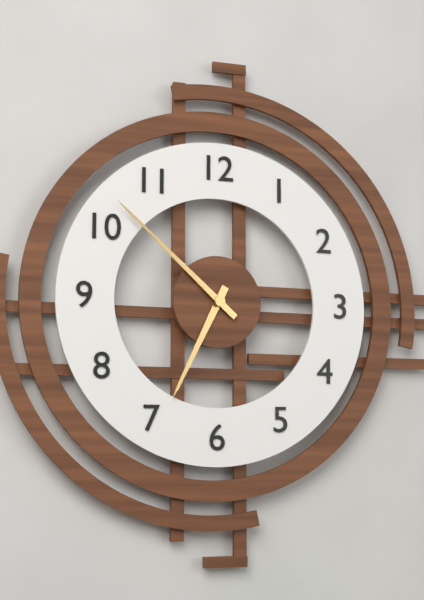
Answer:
{"hour": 6, "minute": 52}
